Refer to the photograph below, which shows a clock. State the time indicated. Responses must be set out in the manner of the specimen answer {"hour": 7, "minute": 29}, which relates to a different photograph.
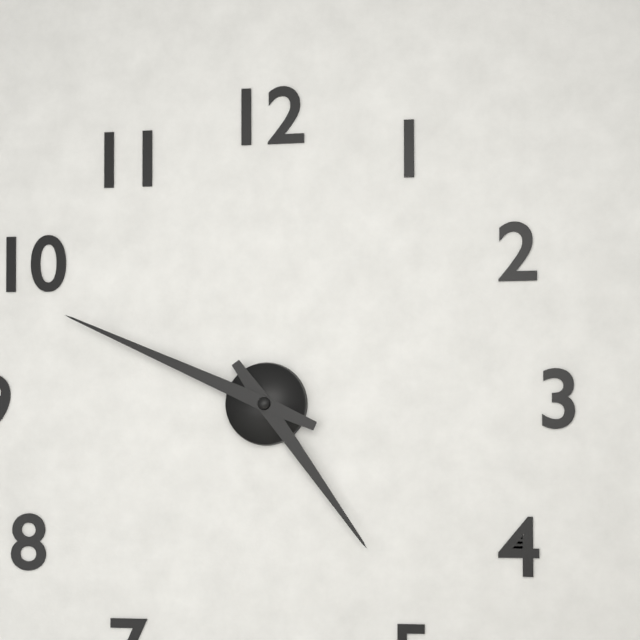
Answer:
{"hour": 4, "minute": 49}
